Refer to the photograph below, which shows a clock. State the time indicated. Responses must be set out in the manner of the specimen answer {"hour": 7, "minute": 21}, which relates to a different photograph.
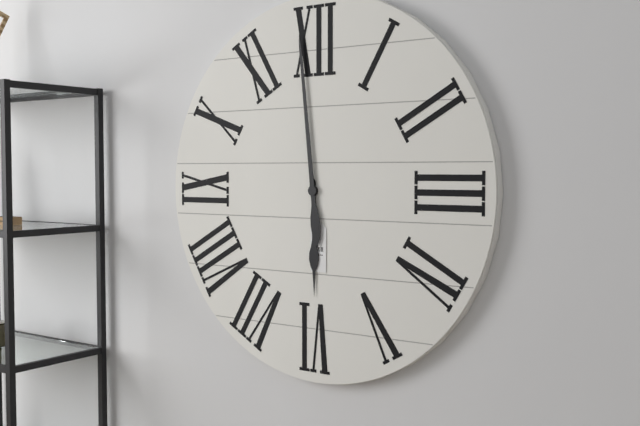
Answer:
{"hour": 5, "minute": 59}
